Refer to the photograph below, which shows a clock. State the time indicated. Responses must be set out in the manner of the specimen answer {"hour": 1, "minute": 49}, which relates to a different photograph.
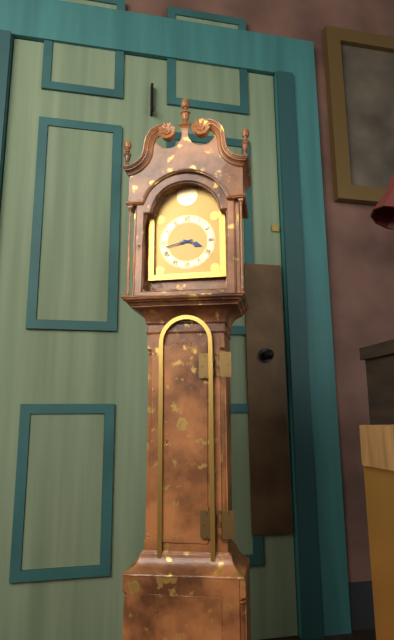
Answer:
{"hour": 3, "minute": 43}
